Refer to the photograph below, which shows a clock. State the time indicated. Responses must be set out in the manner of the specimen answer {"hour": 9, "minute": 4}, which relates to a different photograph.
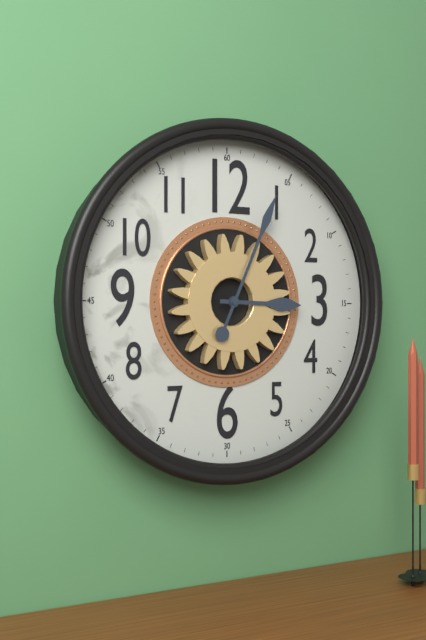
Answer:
{"hour": 3, "minute": 4}
